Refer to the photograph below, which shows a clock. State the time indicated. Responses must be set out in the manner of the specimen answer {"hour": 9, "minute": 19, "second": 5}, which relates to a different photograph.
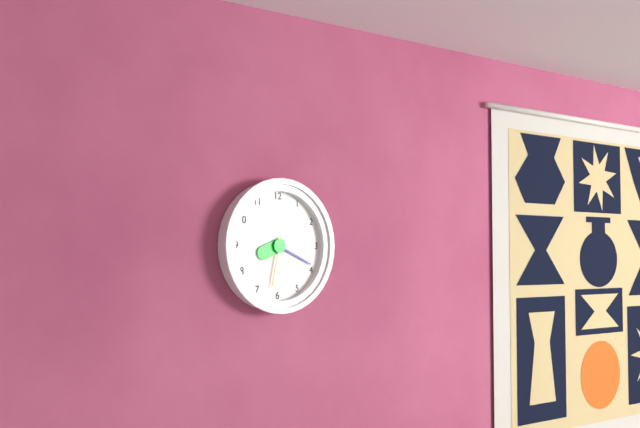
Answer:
{"hour": 8, "minute": 19, "second": 32}
